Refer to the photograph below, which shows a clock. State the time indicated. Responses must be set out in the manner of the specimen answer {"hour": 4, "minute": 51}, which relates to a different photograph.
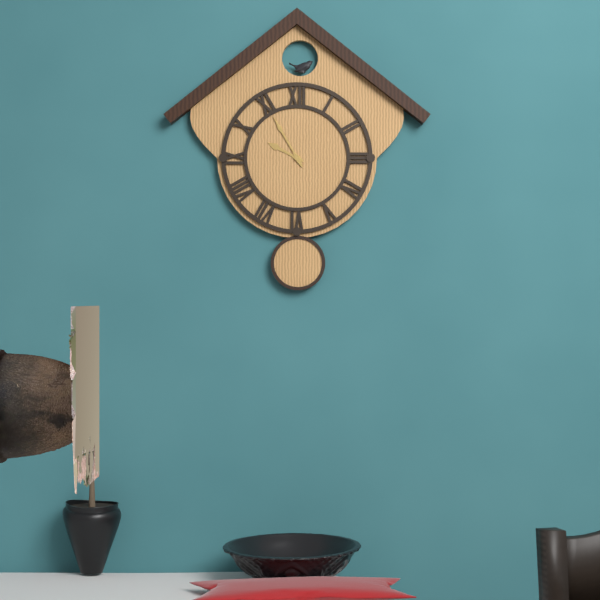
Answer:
{"hour": 9, "minute": 55}
